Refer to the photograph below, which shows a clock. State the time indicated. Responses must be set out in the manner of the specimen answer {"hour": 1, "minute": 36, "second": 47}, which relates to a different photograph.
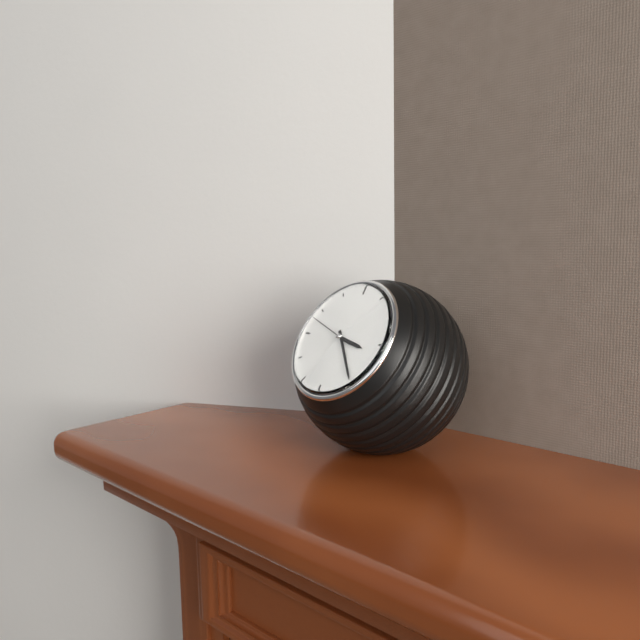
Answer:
{"hour": 3, "minute": 23, "second": 48}
